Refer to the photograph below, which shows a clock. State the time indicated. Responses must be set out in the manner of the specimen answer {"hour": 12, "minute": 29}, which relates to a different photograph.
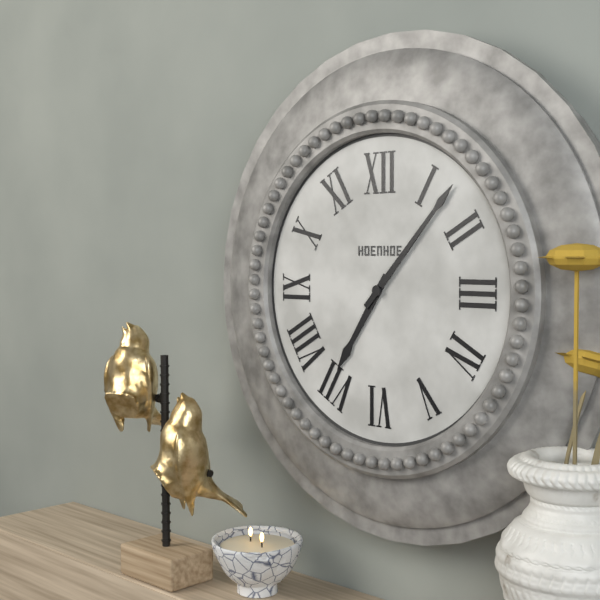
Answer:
{"hour": 7, "minute": 7}
